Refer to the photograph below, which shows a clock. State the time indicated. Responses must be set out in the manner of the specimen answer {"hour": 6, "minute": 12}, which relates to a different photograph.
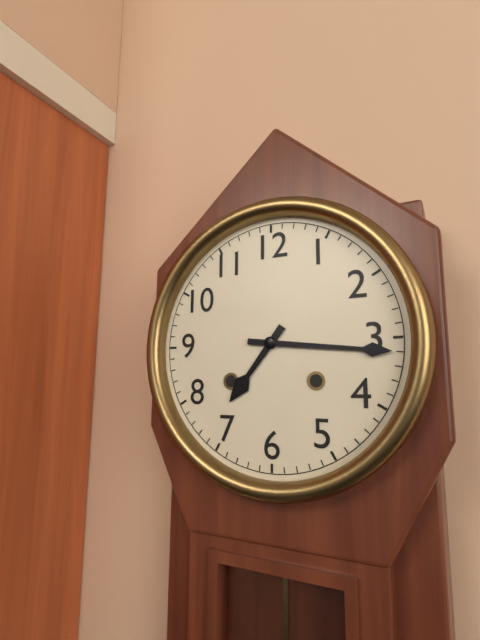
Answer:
{"hour": 7, "minute": 16}
